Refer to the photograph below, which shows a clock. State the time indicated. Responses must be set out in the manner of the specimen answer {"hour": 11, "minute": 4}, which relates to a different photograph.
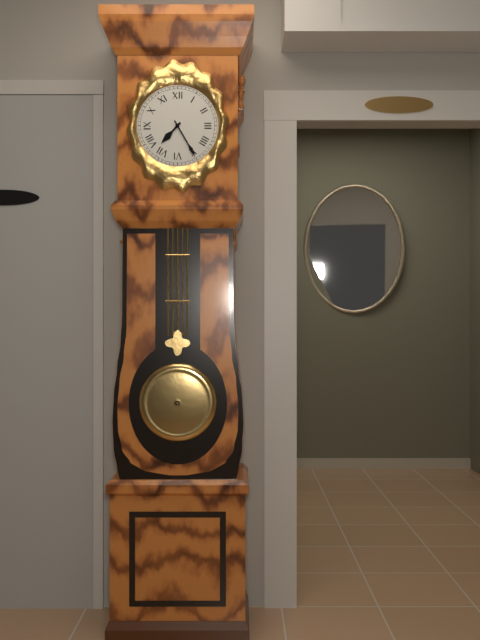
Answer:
{"hour": 7, "minute": 25}
